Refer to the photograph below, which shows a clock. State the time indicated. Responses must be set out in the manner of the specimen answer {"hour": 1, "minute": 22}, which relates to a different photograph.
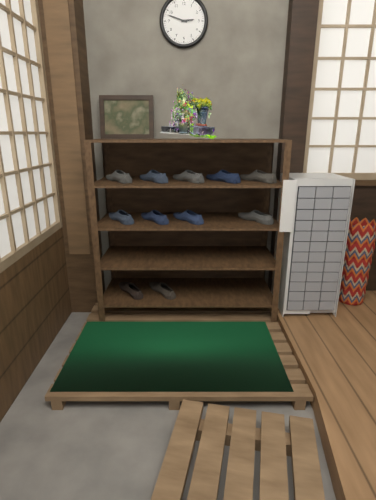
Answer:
{"hour": 2, "minute": 48}
